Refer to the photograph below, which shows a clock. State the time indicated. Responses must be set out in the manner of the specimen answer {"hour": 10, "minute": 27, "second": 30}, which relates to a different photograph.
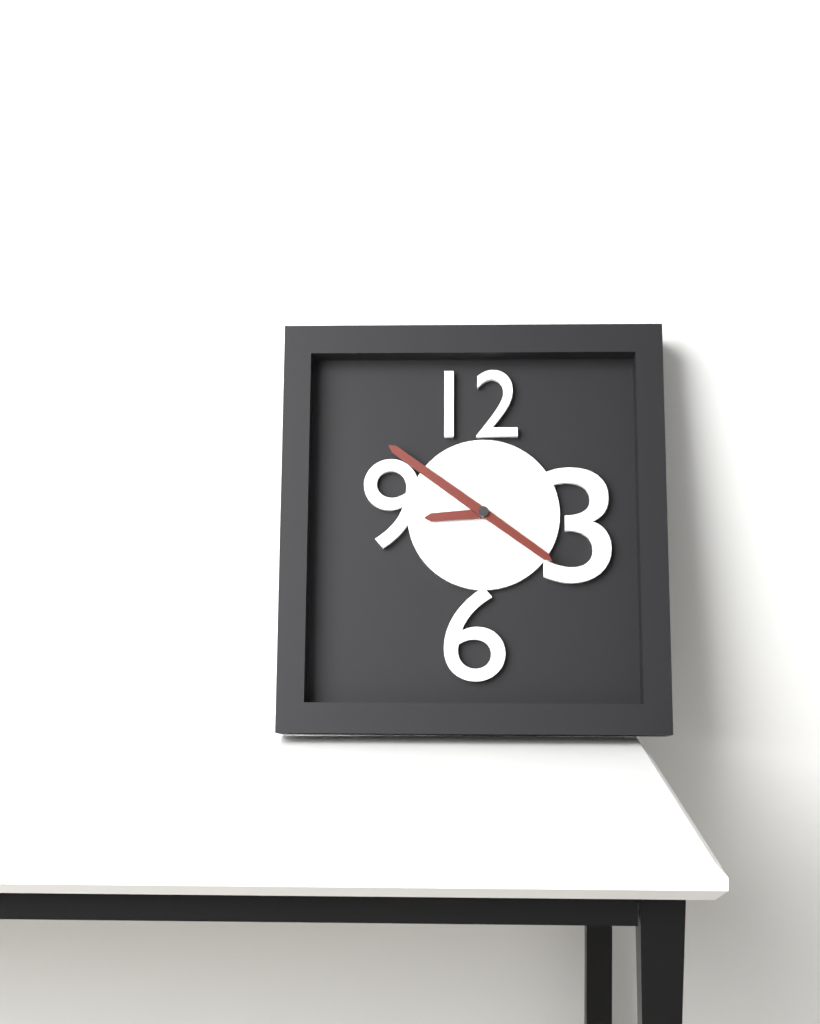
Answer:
{"hour": 8, "minute": 51, "second": 21}
